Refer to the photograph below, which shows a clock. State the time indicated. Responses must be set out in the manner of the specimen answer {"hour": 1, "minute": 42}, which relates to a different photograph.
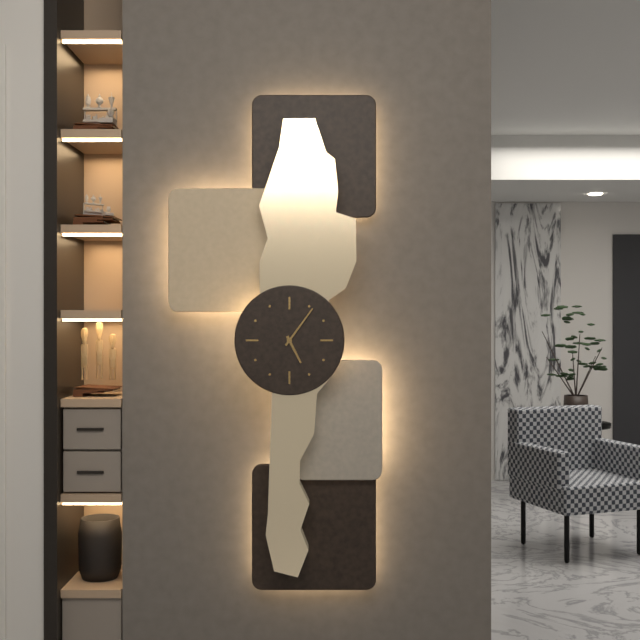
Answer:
{"hour": 5, "minute": 6}
